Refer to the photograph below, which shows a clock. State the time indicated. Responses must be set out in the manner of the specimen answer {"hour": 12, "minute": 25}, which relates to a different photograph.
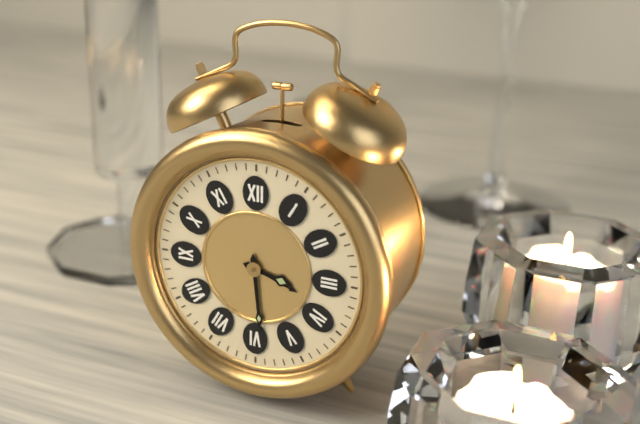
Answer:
{"hour": 3, "minute": 29}
